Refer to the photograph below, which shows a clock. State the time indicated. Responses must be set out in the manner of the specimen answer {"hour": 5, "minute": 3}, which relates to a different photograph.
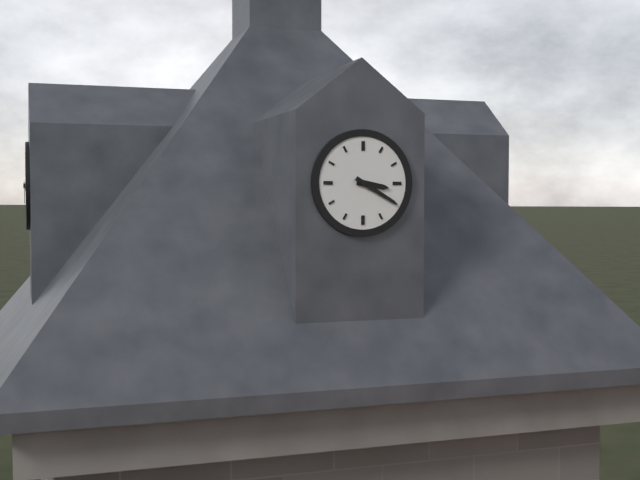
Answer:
{"hour": 3, "minute": 20}
